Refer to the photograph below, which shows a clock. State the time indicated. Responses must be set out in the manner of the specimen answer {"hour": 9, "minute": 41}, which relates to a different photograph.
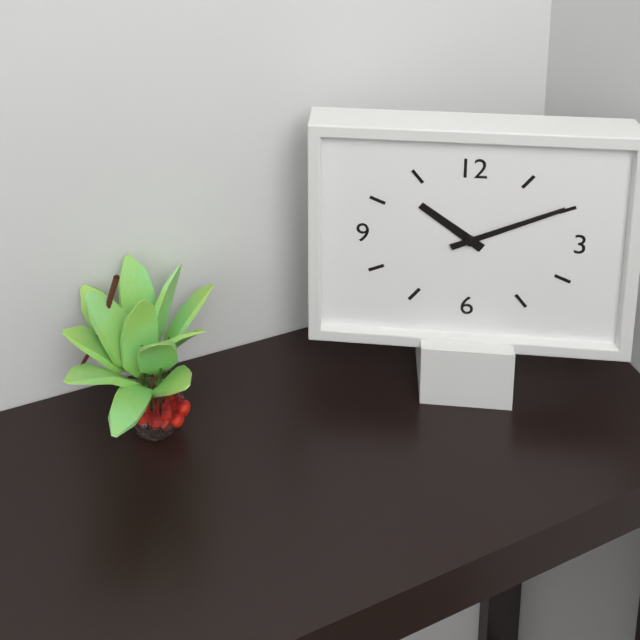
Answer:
{"hour": 10, "minute": 11}
